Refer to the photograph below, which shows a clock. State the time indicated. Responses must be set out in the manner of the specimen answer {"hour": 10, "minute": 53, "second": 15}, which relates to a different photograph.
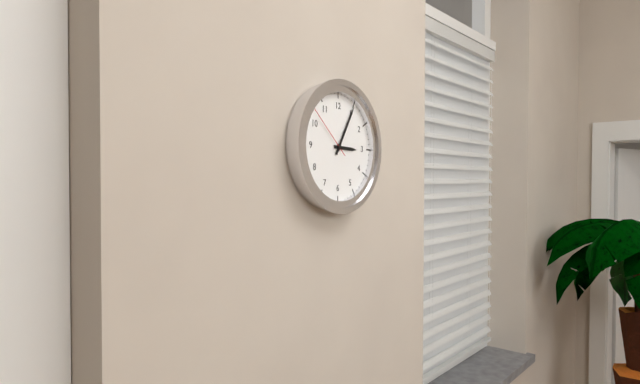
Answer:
{"hour": 3, "minute": 5, "second": 52}
